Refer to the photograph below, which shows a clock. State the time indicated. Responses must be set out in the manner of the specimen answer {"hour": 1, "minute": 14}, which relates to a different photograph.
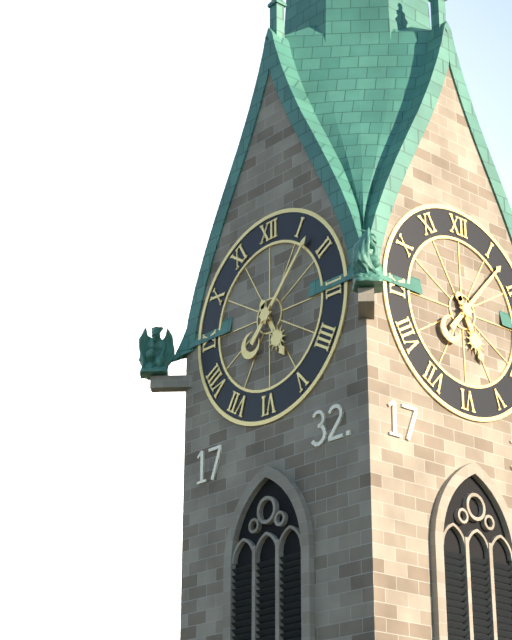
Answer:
{"hour": 5, "minute": 7}
